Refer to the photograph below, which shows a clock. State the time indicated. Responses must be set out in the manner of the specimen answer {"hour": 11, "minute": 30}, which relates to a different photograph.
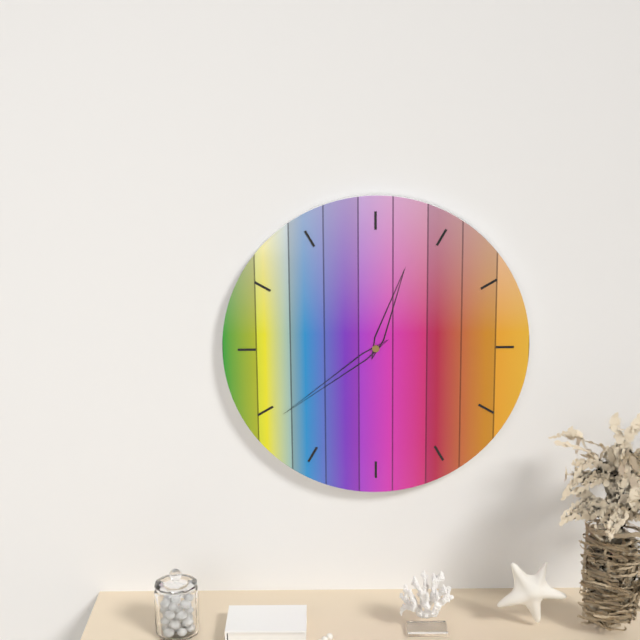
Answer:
{"hour": 12, "minute": 39}
